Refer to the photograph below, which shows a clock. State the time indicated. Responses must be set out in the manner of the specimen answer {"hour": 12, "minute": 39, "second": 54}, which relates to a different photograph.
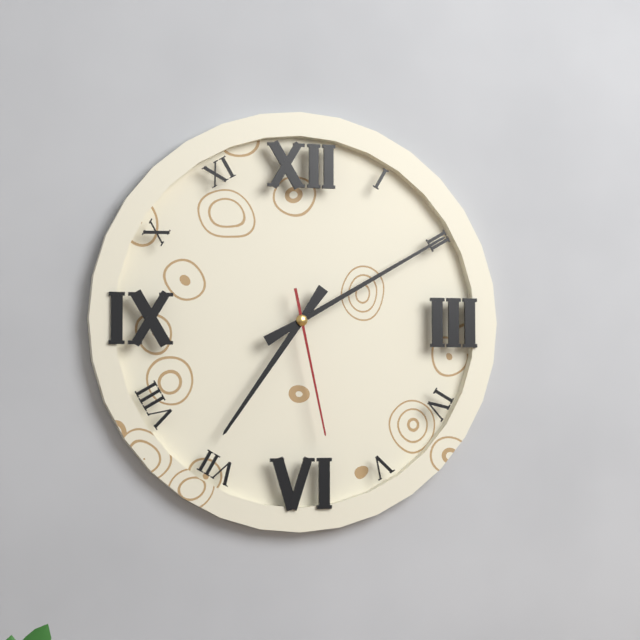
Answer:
{"hour": 7, "minute": 10, "second": 28}
